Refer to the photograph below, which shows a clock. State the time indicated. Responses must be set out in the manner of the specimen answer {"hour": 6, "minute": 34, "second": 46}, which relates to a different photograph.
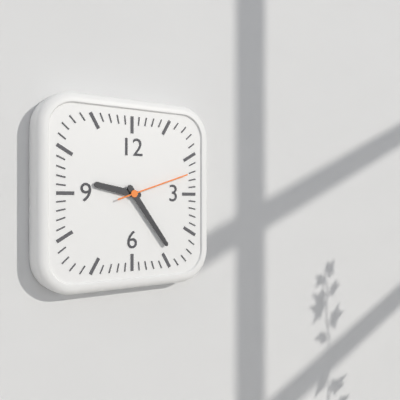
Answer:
{"hour": 9, "minute": 24, "second": 12}
